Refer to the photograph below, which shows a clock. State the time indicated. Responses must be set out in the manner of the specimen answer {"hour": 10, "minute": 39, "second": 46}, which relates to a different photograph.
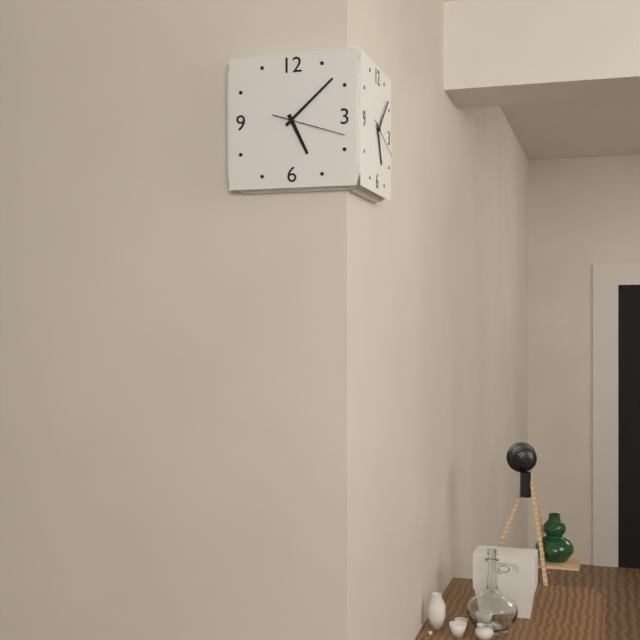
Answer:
{"hour": 5, "minute": 8, "second": 18}
